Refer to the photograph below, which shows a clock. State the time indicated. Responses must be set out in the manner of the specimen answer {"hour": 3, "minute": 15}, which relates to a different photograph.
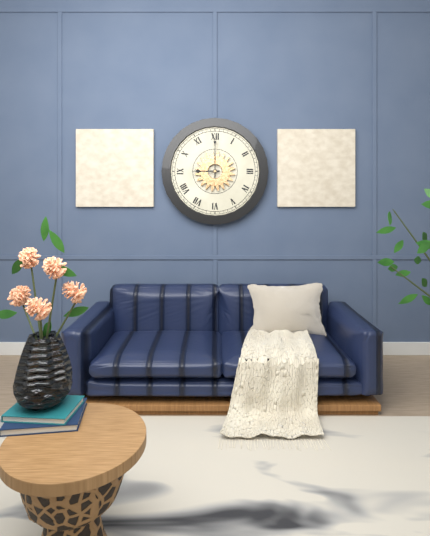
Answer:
{"hour": 9, "minute": 0}
